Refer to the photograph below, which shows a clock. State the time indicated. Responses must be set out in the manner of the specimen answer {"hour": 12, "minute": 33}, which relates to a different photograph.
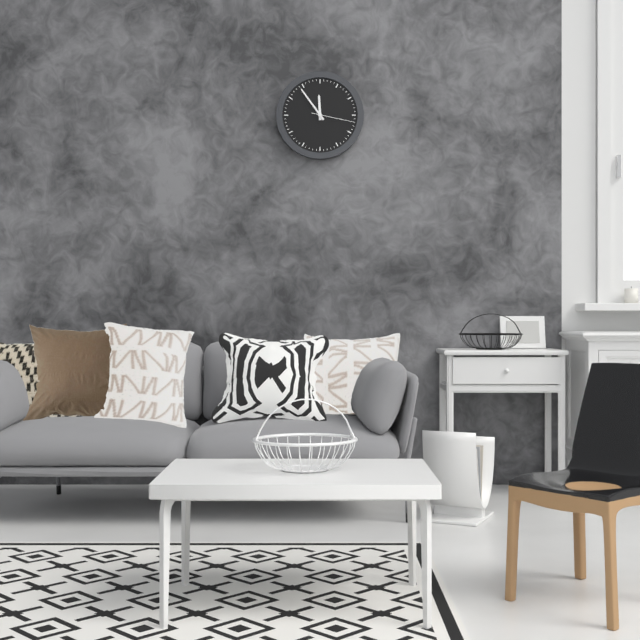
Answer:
{"hour": 11, "minute": 54}
